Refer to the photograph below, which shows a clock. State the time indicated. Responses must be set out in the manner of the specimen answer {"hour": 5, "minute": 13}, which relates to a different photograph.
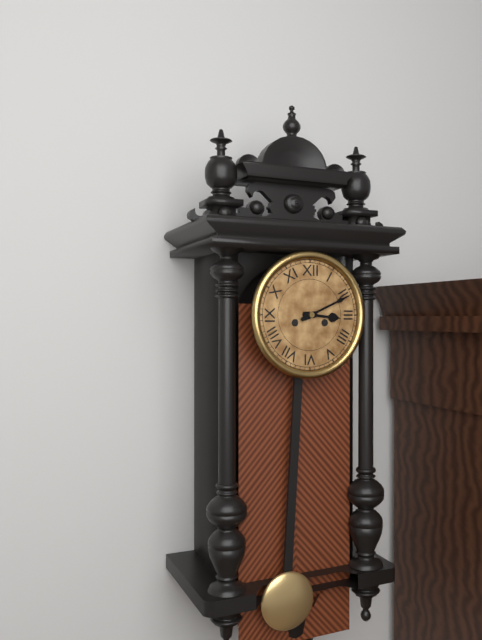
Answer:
{"hour": 3, "minute": 11}
